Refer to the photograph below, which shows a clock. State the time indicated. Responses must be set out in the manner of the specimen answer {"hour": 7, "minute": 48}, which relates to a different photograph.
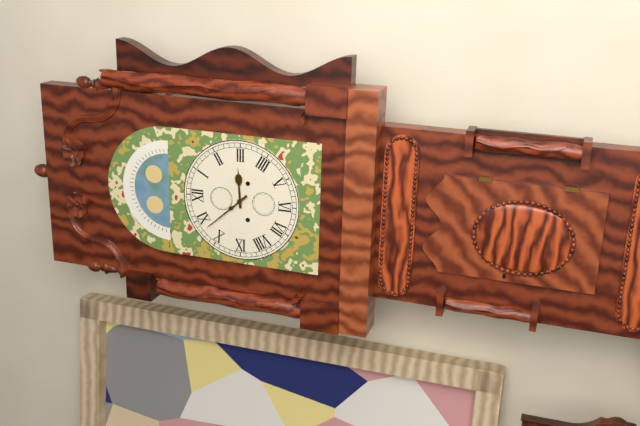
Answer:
{"hour": 2, "minute": 53}
